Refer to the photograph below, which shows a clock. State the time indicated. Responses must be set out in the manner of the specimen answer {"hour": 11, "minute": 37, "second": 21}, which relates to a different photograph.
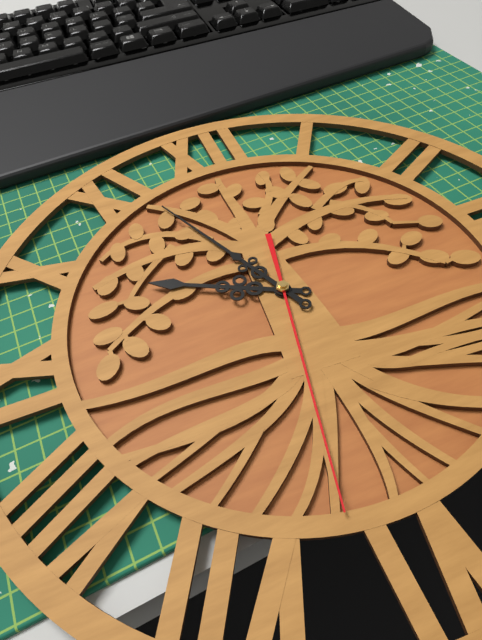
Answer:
{"hour": 9, "minute": 56, "second": 32}
